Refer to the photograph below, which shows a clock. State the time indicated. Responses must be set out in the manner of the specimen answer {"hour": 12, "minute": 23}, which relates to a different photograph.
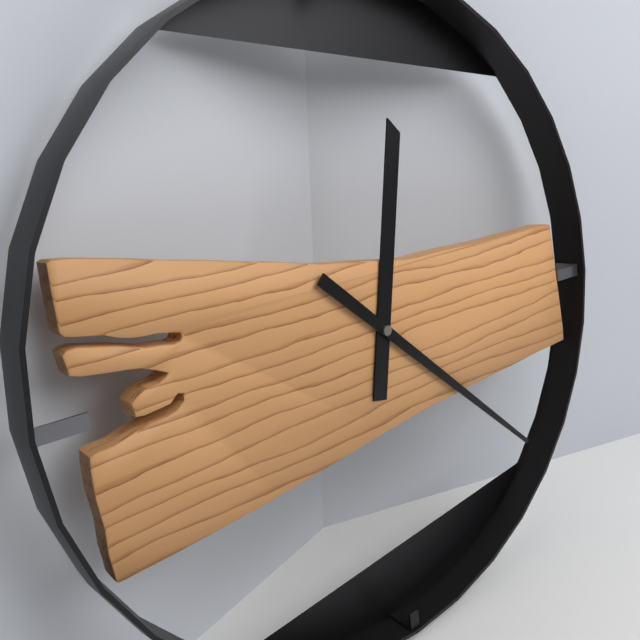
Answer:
{"hour": 12, "minute": 22}
